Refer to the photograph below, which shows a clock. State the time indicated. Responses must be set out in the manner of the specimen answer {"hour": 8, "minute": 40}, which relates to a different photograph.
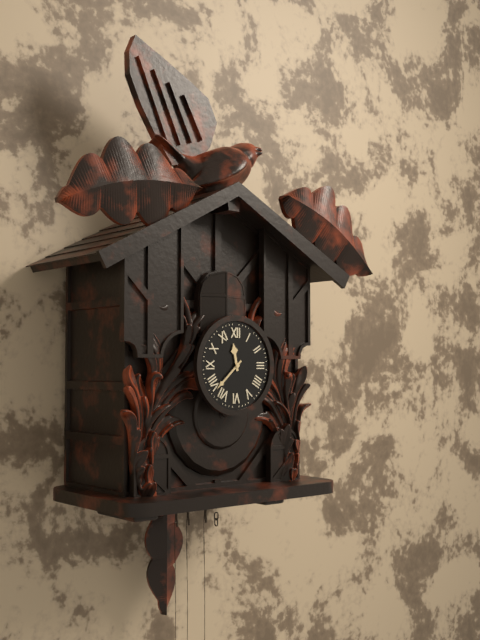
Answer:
{"hour": 11, "minute": 38}
